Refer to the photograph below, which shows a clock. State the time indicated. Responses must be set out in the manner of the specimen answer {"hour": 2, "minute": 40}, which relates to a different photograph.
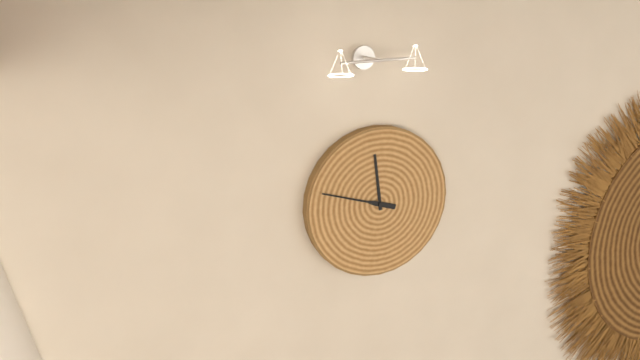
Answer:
{"hour": 11, "minute": 48}
